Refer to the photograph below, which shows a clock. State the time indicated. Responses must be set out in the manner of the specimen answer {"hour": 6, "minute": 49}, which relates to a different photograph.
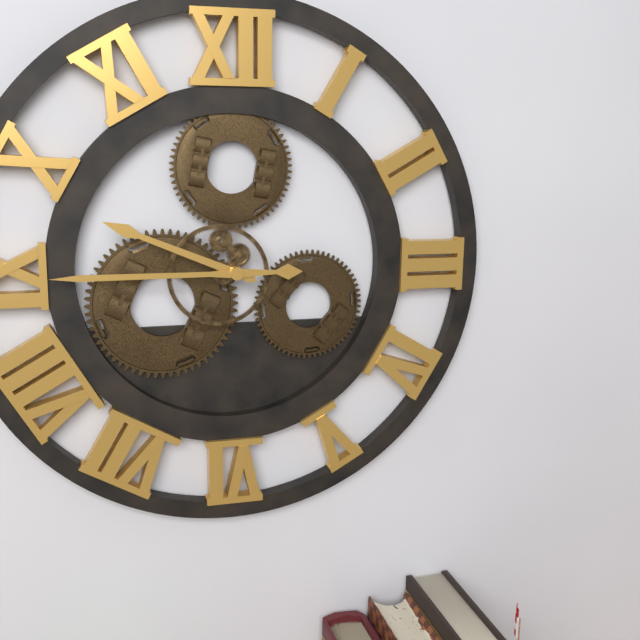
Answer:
{"hour": 9, "minute": 45}
